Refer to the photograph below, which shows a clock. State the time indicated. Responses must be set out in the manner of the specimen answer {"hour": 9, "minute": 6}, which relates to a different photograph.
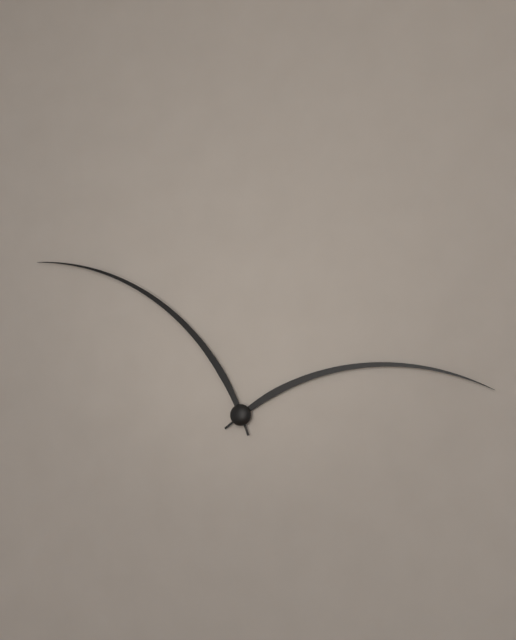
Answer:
{"hour": 2, "minute": 51}
